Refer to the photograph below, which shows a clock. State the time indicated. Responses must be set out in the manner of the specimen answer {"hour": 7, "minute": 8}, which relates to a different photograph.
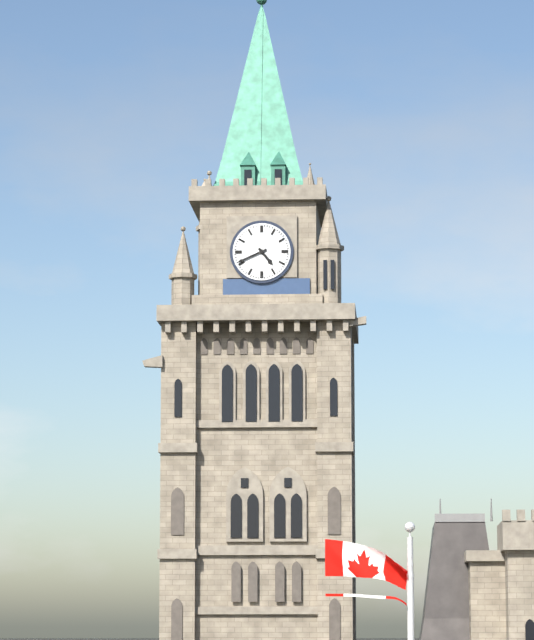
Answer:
{"hour": 4, "minute": 41}
